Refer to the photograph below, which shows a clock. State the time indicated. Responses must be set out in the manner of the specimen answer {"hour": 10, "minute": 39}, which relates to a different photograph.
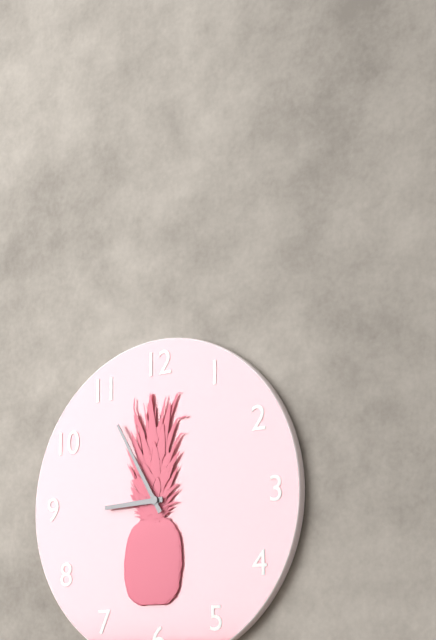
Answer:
{"hour": 8, "minute": 55}
